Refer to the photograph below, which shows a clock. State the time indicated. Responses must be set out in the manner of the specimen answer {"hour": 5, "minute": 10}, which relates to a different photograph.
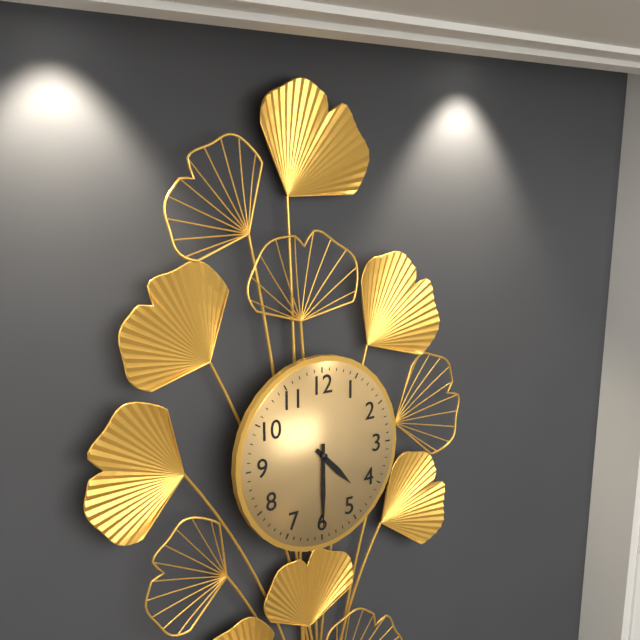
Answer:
{"hour": 4, "minute": 30}
